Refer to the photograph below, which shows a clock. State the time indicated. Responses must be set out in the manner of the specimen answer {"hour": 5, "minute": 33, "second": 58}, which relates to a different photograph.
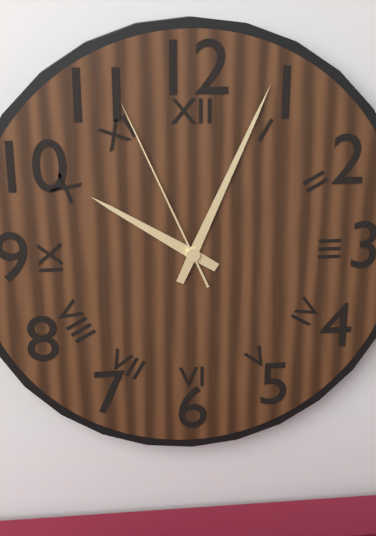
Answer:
{"hour": 10, "minute": 4, "second": 56}
